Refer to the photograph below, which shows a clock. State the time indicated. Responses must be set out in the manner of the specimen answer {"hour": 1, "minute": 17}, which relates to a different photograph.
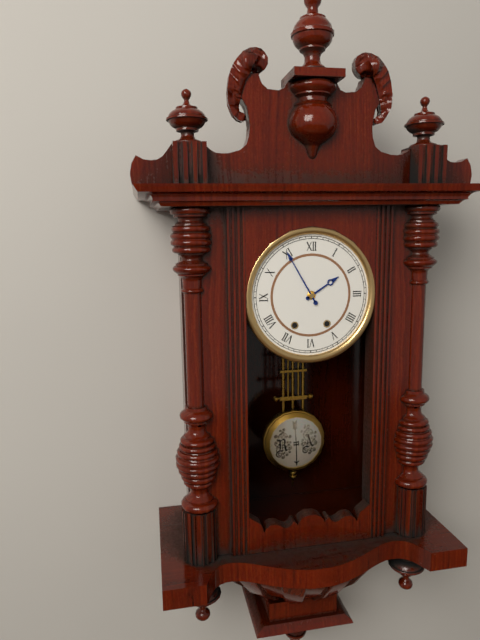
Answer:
{"hour": 1, "minute": 55}
